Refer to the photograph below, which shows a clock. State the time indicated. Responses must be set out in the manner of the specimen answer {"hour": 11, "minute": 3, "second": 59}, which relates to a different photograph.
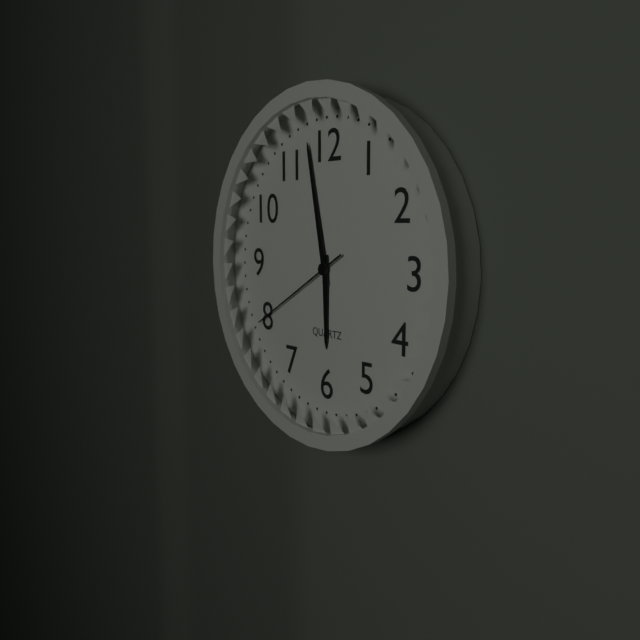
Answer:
{"hour": 5, "minute": 58, "second": 40}
